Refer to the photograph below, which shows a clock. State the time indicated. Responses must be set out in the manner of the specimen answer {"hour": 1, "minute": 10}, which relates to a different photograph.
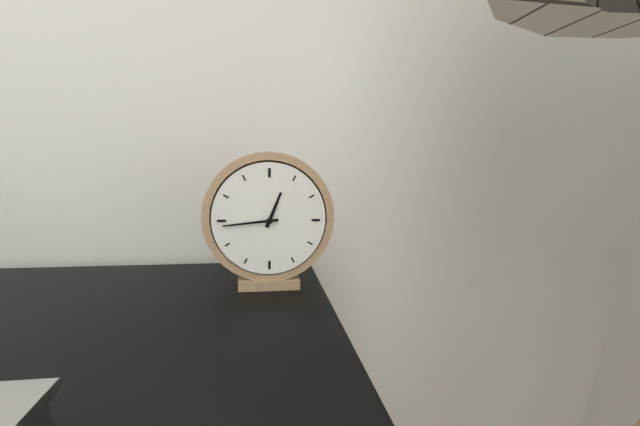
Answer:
{"hour": 12, "minute": 44}
